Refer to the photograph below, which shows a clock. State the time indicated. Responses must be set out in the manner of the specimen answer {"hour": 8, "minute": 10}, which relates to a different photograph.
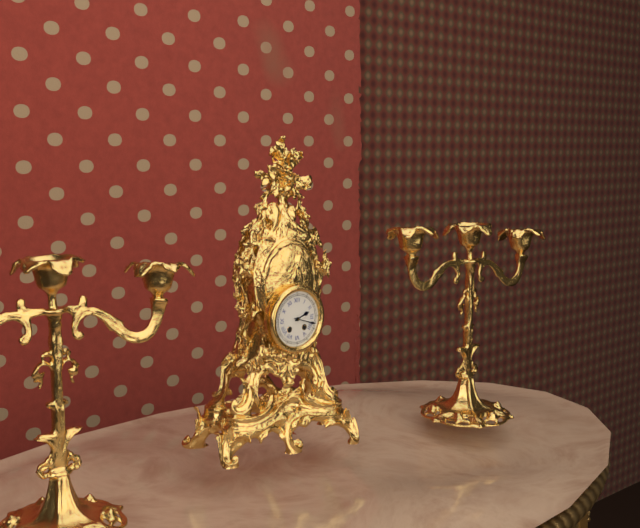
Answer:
{"hour": 2, "minute": 18}
